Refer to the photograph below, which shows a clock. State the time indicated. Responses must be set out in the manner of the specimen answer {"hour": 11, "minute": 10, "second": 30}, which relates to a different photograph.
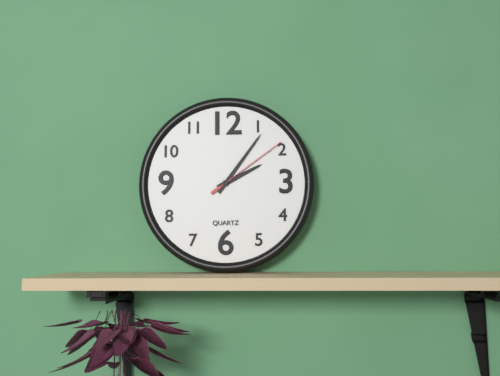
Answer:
{"hour": 2, "minute": 6, "second": 9}
